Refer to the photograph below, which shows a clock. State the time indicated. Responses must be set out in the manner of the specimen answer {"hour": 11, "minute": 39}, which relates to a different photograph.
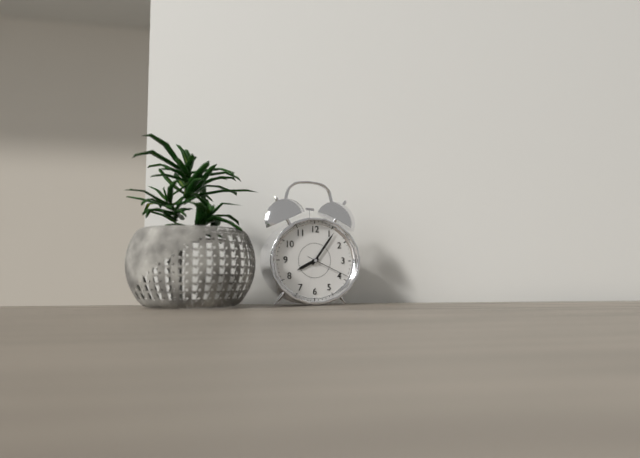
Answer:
{"hour": 8, "minute": 6}
